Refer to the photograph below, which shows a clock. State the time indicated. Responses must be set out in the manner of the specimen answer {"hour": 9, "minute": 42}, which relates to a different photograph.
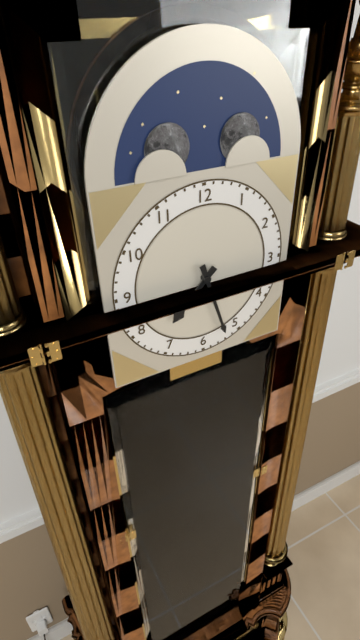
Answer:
{"hour": 7, "minute": 27}
